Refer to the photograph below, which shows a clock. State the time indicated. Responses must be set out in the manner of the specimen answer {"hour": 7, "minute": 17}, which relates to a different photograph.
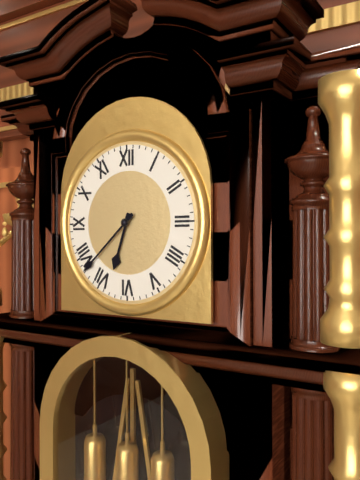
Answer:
{"hour": 6, "minute": 38}
